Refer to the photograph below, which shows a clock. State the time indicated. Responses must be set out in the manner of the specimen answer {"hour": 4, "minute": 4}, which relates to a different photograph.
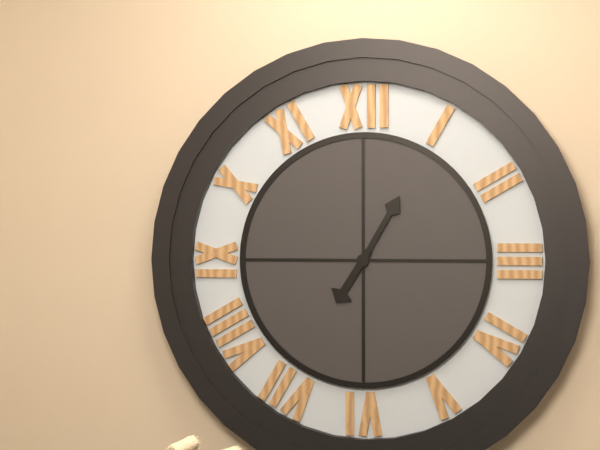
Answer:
{"hour": 7, "minute": 5}
